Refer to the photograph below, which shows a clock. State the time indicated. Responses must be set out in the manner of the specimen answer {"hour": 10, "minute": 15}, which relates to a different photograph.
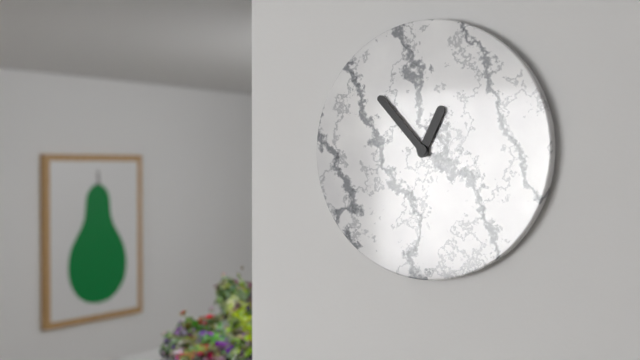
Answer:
{"hour": 12, "minute": 53}
